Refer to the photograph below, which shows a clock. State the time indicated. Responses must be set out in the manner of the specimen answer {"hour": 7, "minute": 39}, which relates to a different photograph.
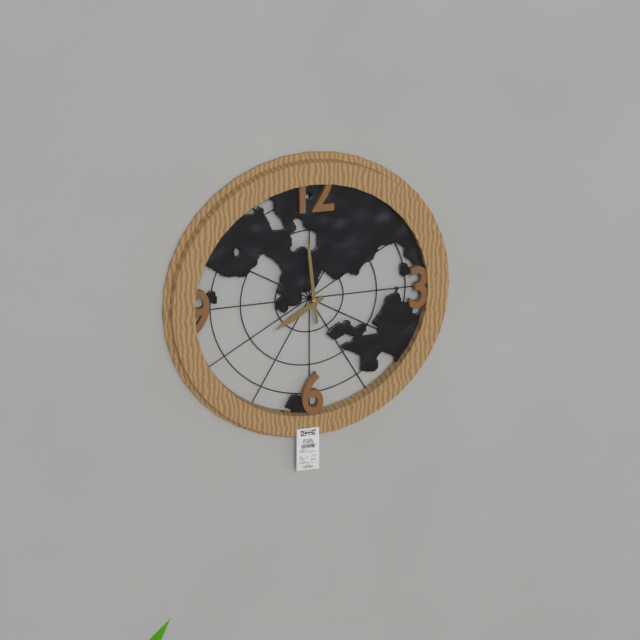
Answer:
{"hour": 7, "minute": 59}
